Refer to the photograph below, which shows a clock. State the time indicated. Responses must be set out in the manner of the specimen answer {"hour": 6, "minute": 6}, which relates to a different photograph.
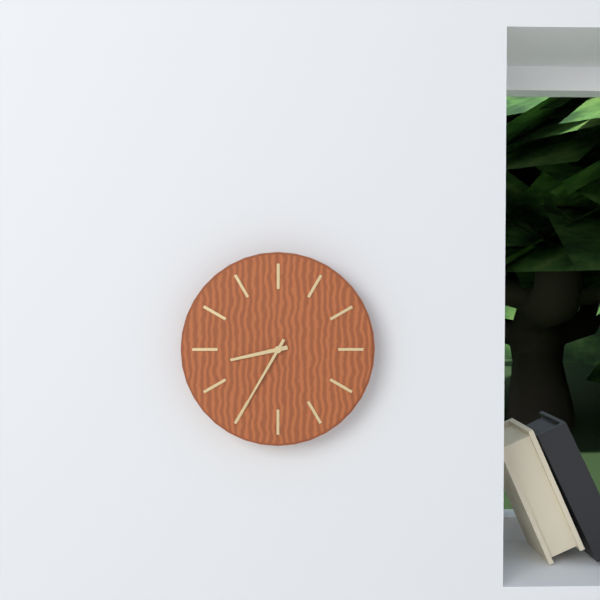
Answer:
{"hour": 8, "minute": 35}
